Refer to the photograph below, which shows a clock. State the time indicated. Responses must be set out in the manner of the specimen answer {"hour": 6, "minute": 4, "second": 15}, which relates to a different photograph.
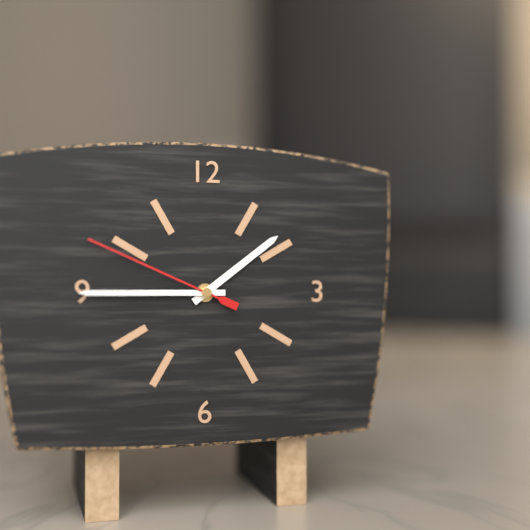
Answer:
{"hour": 1, "minute": 45, "second": 49}
